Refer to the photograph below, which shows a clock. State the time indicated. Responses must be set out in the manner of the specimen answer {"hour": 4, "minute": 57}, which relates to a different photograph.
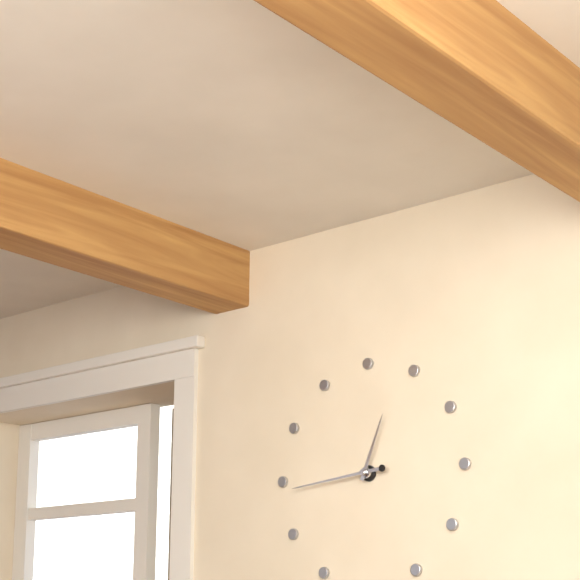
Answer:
{"hour": 12, "minute": 44}
